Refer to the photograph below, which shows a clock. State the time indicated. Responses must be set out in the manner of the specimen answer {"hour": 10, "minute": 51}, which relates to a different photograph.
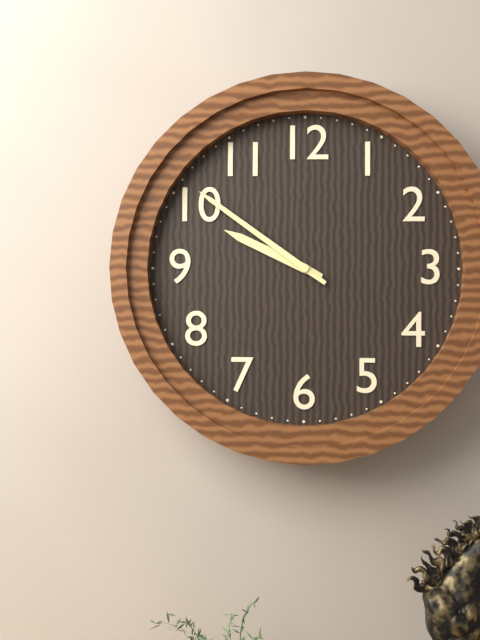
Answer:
{"hour": 9, "minute": 51}
